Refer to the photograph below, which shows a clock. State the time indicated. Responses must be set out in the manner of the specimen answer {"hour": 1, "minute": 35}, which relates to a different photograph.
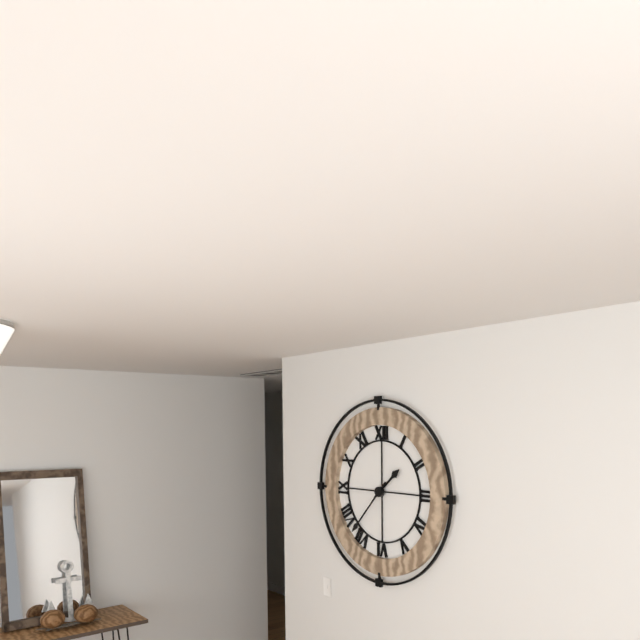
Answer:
{"hour": 1, "minute": 37}
